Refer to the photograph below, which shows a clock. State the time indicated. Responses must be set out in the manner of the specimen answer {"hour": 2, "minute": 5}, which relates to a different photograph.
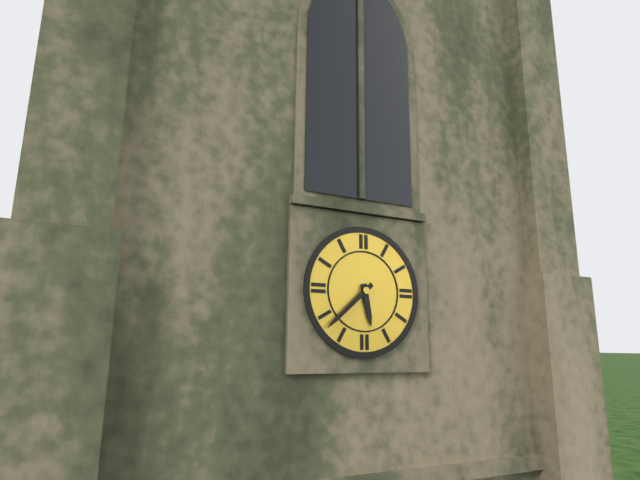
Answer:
{"hour": 5, "minute": 38}
